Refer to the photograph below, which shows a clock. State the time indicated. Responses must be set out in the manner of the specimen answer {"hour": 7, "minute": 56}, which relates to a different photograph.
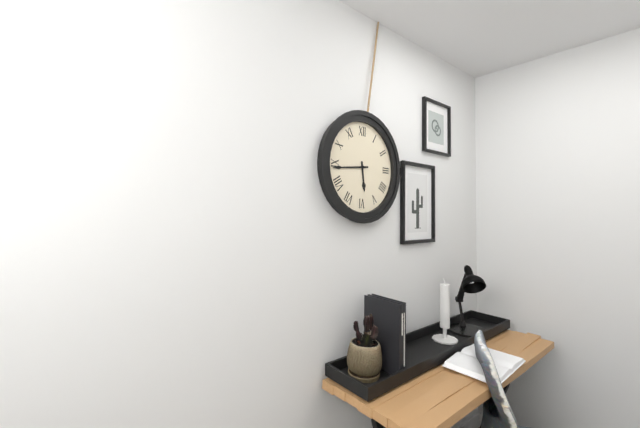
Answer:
{"hour": 5, "minute": 44}
